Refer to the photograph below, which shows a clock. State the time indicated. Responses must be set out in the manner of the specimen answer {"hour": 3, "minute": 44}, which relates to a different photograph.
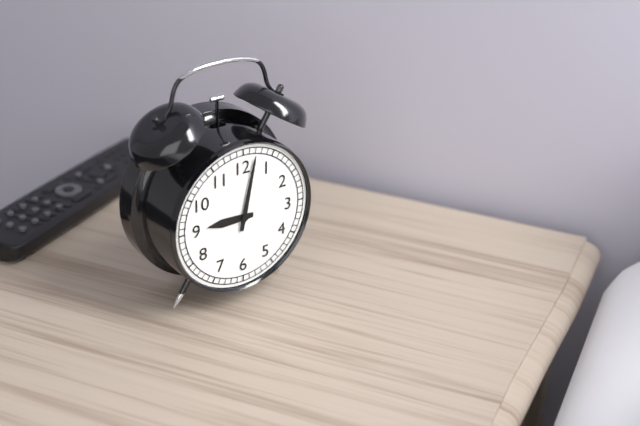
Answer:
{"hour": 9, "minute": 2}
